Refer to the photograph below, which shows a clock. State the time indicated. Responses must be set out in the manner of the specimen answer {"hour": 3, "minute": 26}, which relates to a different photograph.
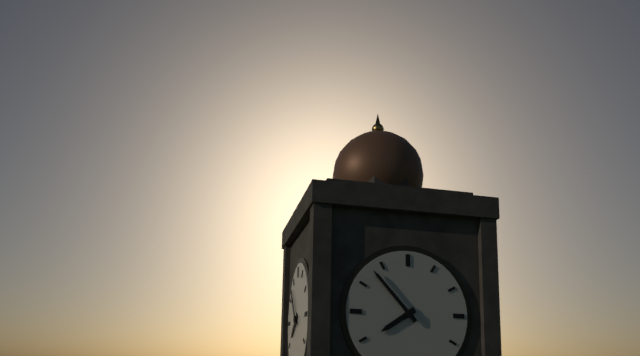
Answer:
{"hour": 7, "minute": 53}
